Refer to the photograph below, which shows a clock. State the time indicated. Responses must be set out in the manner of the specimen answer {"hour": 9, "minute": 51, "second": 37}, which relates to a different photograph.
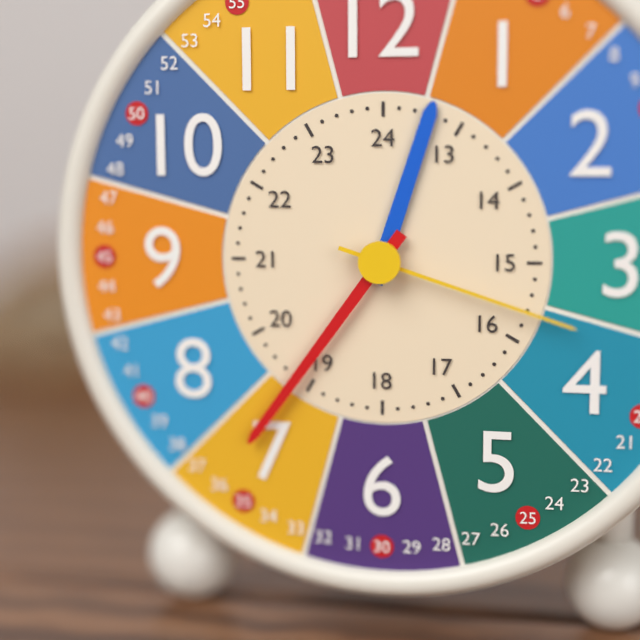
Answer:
{"hour": 12, "minute": 36, "second": 18}
